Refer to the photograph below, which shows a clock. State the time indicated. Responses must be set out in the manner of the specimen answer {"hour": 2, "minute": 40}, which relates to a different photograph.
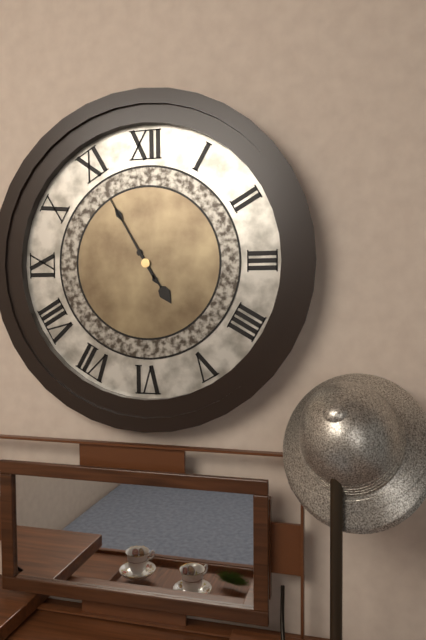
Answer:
{"hour": 4, "minute": 55}
